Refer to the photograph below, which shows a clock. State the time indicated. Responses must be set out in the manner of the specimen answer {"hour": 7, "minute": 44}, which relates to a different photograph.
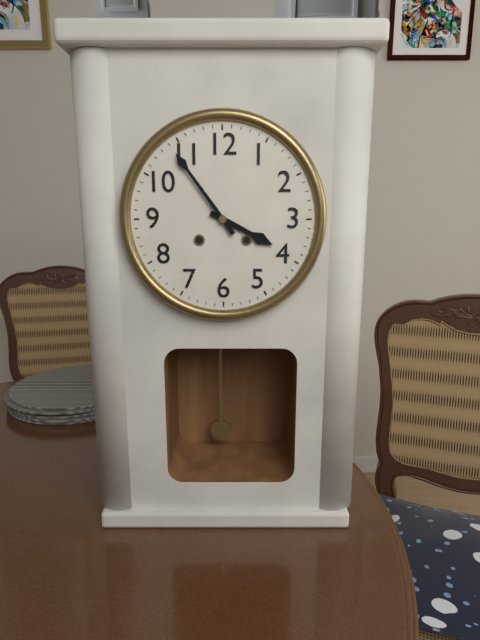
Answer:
{"hour": 3, "minute": 54}
